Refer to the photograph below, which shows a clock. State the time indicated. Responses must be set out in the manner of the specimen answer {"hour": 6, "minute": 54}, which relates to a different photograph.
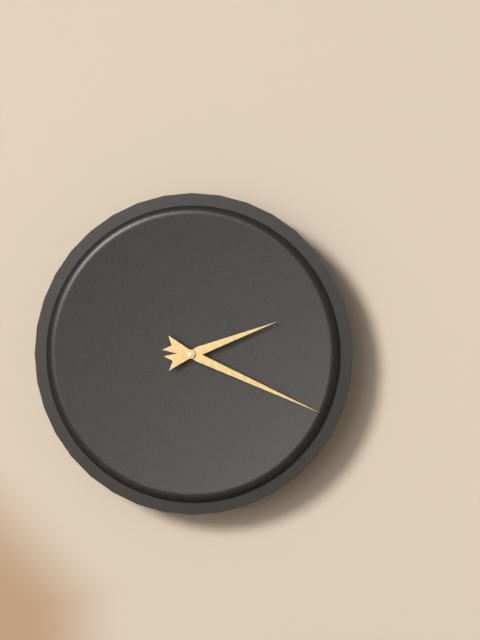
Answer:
{"hour": 2, "minute": 19}
